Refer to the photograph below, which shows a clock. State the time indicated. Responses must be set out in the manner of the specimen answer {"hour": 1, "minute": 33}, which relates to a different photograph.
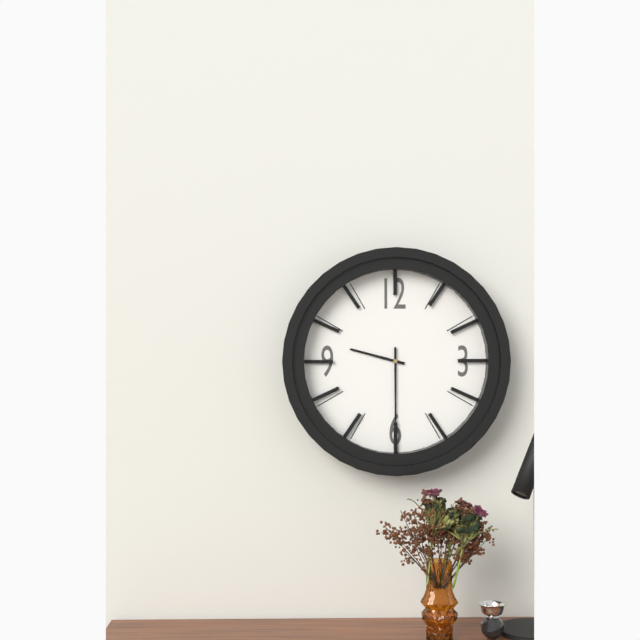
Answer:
{"hour": 9, "minute": 30}
